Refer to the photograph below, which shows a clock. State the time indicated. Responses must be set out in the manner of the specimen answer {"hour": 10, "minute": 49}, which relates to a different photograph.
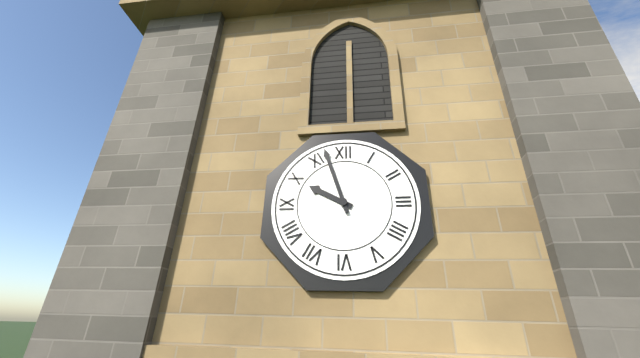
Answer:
{"hour": 9, "minute": 57}
